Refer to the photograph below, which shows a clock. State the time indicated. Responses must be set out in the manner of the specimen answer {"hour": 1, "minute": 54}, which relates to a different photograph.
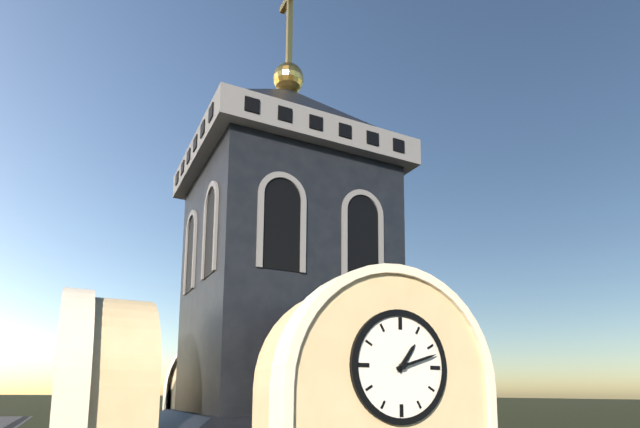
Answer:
{"hour": 1, "minute": 12}
